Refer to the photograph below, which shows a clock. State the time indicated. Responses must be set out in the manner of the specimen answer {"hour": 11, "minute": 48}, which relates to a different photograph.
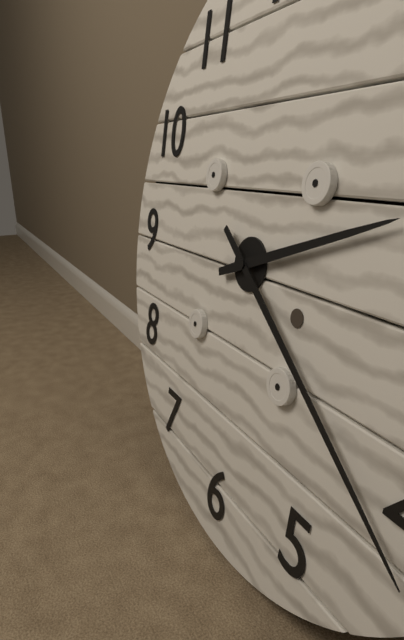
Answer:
{"hour": 2, "minute": 21}
